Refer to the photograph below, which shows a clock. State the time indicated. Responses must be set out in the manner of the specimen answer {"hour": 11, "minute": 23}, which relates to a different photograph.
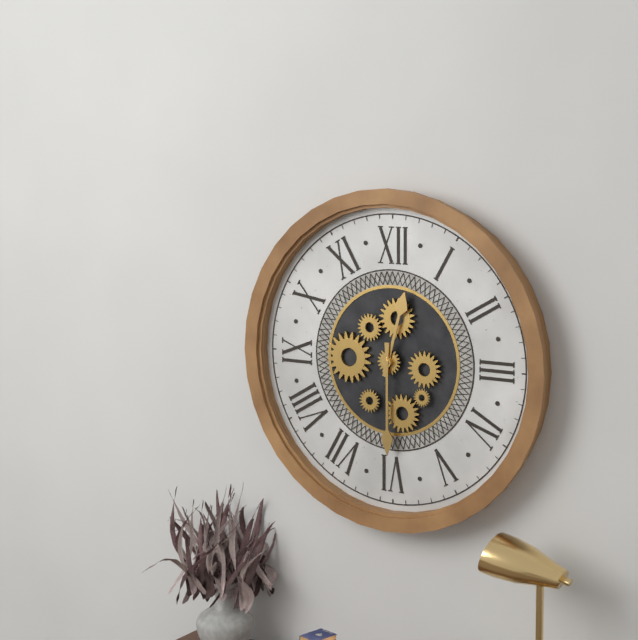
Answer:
{"hour": 12, "minute": 30}
